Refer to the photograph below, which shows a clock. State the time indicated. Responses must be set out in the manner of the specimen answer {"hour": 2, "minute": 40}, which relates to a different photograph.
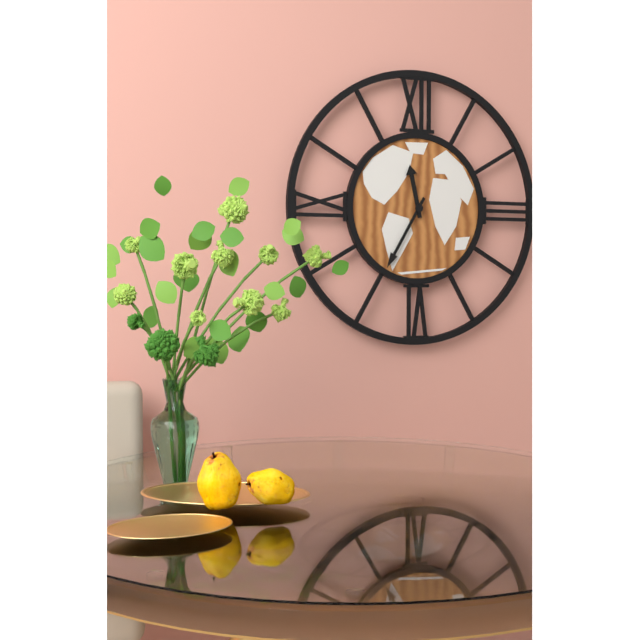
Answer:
{"hour": 11, "minute": 35}
